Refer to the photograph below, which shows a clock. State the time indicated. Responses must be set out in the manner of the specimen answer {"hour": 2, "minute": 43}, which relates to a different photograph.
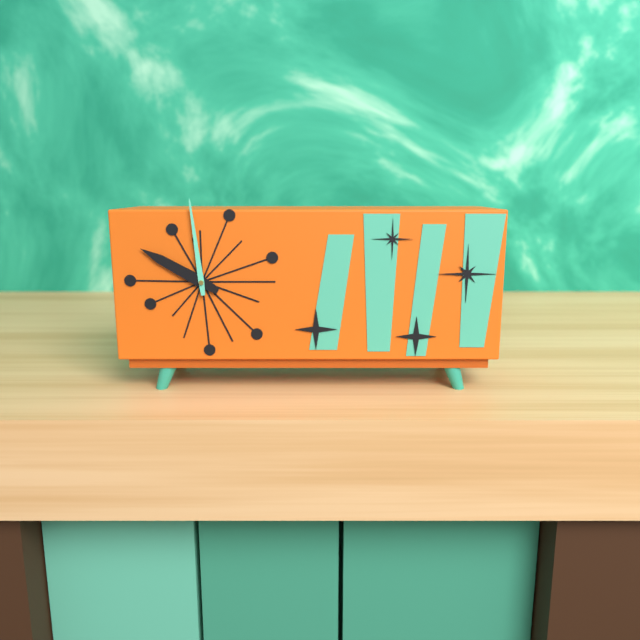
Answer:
{"hour": 9, "minute": 59}
